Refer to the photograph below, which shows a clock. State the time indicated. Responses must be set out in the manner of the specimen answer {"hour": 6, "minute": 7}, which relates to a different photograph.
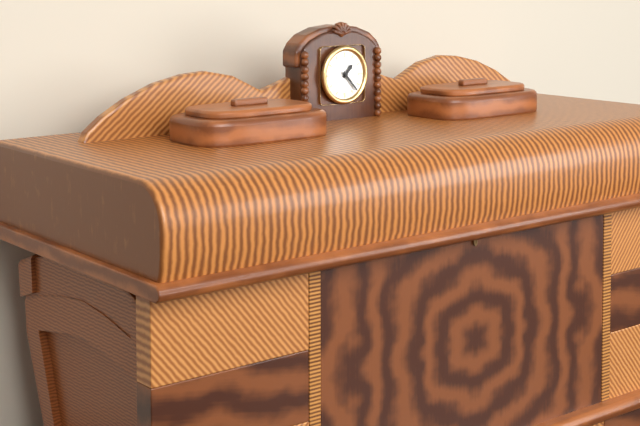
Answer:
{"hour": 1, "minute": 23}
